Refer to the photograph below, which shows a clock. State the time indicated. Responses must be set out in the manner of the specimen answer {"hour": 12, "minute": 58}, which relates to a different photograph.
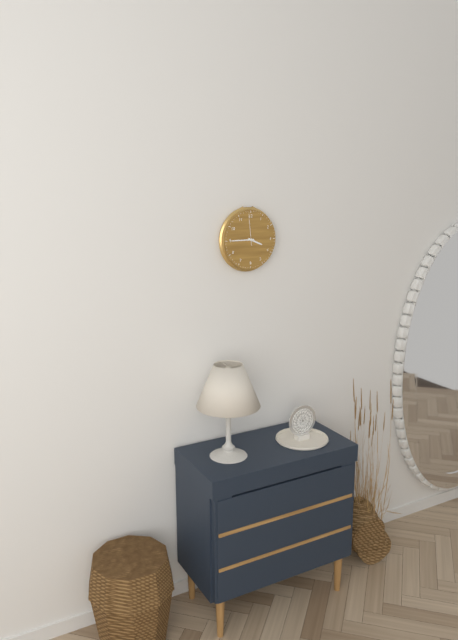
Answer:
{"hour": 3, "minute": 45}
